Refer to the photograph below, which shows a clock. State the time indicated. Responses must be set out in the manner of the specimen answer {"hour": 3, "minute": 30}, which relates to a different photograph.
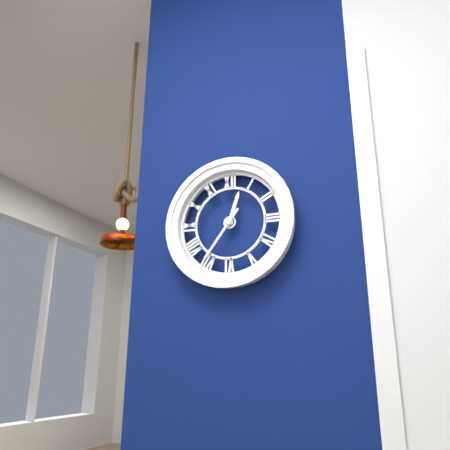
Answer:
{"hour": 12, "minute": 36}
